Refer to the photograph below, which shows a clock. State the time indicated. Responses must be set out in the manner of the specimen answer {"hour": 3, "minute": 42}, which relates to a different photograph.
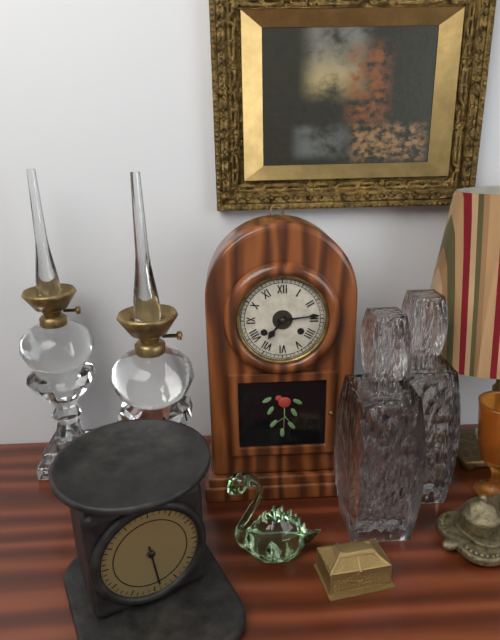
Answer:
{"hour": 7, "minute": 14}
